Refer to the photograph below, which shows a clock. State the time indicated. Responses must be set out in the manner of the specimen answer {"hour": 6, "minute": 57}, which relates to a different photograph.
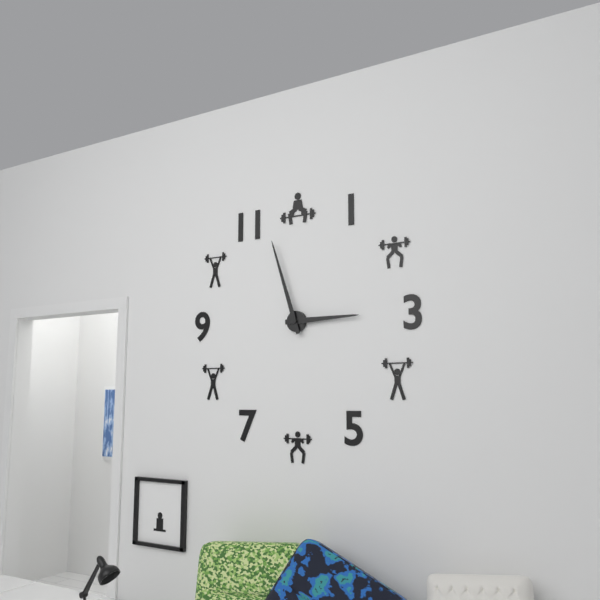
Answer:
{"hour": 2, "minute": 57}
